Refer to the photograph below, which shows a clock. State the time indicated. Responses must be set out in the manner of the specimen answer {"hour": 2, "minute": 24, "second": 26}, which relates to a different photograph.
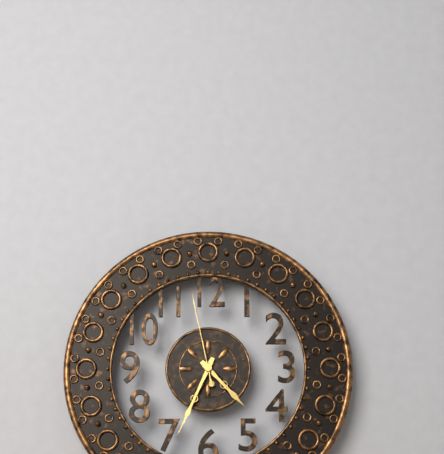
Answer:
{"hour": 4, "minute": 34, "second": 58}
